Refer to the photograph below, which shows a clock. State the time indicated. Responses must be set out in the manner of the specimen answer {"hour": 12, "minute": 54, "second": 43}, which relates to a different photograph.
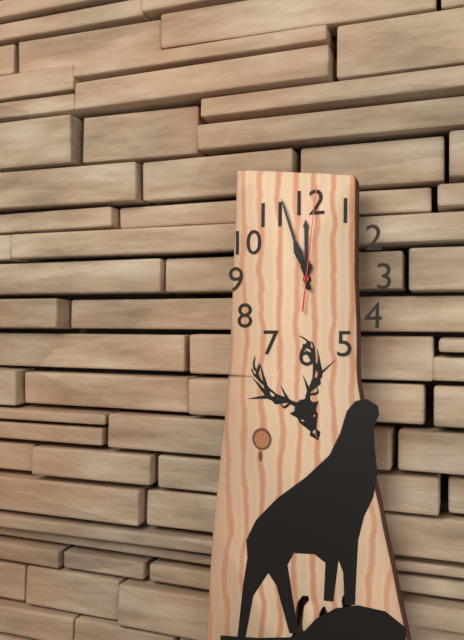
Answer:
{"hour": 11, "minute": 57, "second": 1}
